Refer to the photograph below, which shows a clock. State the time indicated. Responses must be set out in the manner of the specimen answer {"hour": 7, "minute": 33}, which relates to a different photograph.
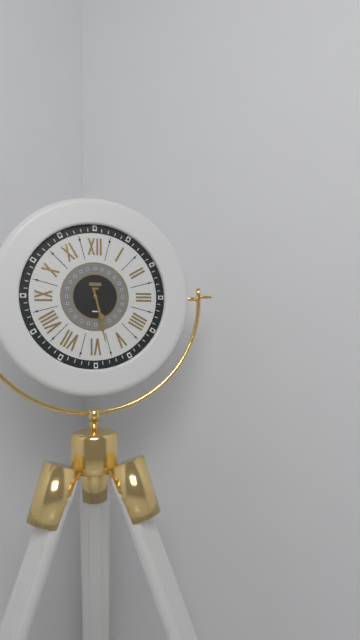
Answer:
{"hour": 5, "minute": 28}
